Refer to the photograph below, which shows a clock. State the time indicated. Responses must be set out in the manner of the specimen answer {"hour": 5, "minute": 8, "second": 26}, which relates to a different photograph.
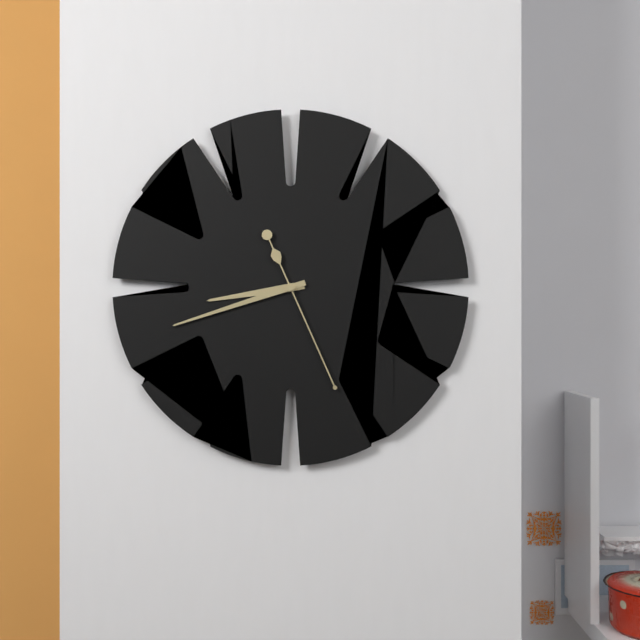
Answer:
{"hour": 8, "minute": 42, "second": 26}
